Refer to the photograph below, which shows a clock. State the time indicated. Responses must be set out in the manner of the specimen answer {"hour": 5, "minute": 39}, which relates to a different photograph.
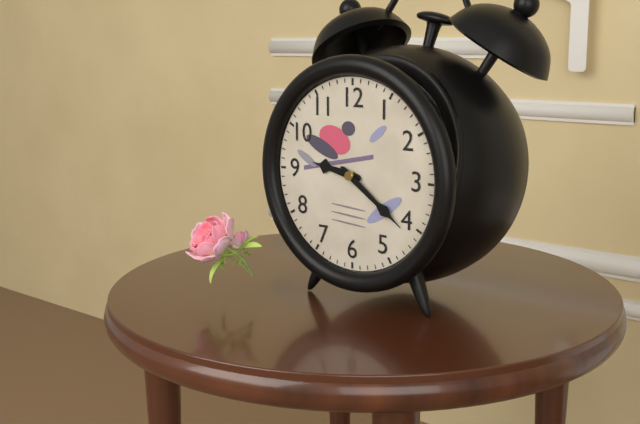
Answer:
{"hour": 9, "minute": 21}
